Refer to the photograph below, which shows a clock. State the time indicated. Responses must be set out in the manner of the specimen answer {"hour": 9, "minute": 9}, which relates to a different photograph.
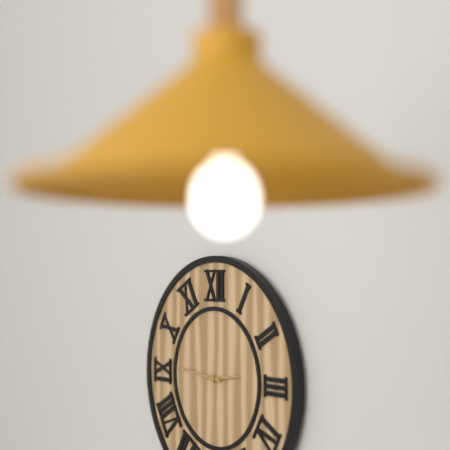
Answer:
{"hour": 2, "minute": 46}
